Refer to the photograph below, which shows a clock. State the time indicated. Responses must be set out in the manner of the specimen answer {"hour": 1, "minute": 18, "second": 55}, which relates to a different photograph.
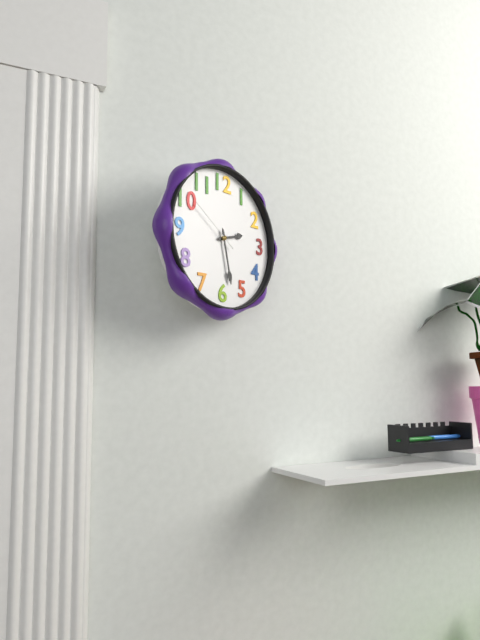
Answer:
{"hour": 2, "minute": 28, "second": 51}
